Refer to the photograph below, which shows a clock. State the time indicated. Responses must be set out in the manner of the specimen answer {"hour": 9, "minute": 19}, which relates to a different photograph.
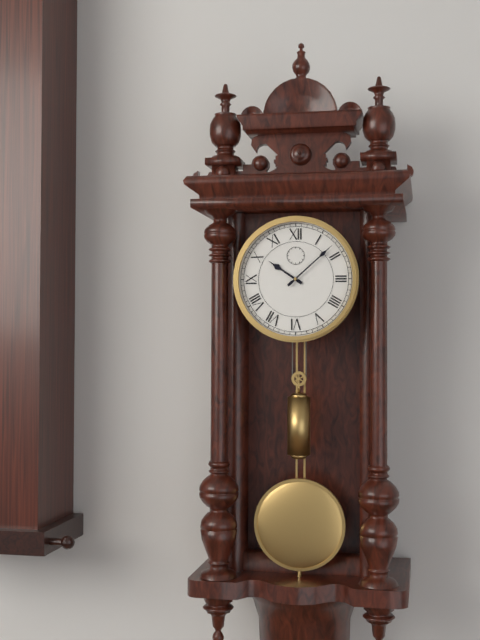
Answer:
{"hour": 10, "minute": 8}
